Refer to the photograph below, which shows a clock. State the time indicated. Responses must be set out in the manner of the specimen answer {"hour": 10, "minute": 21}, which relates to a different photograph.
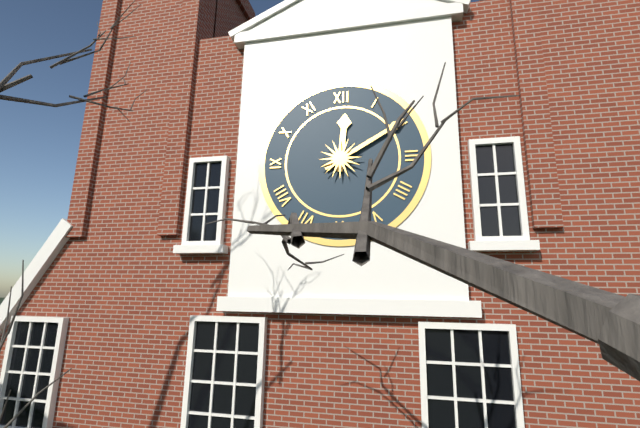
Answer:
{"hour": 12, "minute": 10}
